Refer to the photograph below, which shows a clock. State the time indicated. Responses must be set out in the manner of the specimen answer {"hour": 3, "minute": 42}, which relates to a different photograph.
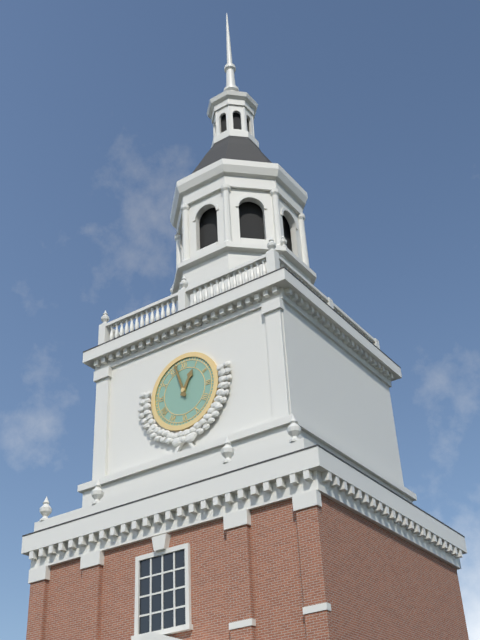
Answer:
{"hour": 12, "minute": 57}
